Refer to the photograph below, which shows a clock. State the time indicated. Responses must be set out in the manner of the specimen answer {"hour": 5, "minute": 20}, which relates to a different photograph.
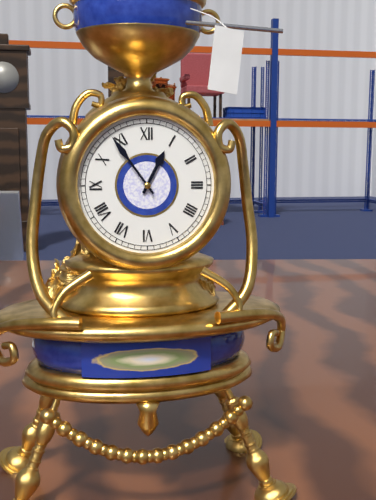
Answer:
{"hour": 12, "minute": 54}
